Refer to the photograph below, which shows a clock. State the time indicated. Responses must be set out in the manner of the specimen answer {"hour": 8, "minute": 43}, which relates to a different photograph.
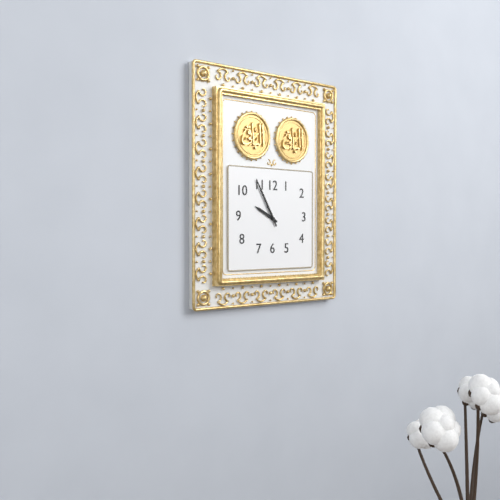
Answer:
{"hour": 9, "minute": 55}
